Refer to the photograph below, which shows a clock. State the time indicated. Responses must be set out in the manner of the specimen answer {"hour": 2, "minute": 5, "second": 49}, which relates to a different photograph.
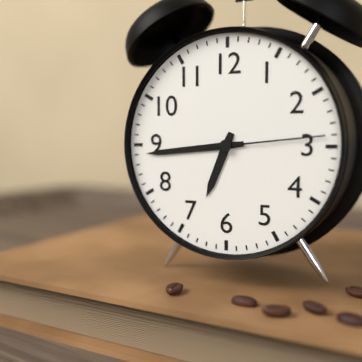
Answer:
{"hour": 6, "minute": 44, "second": 14}
